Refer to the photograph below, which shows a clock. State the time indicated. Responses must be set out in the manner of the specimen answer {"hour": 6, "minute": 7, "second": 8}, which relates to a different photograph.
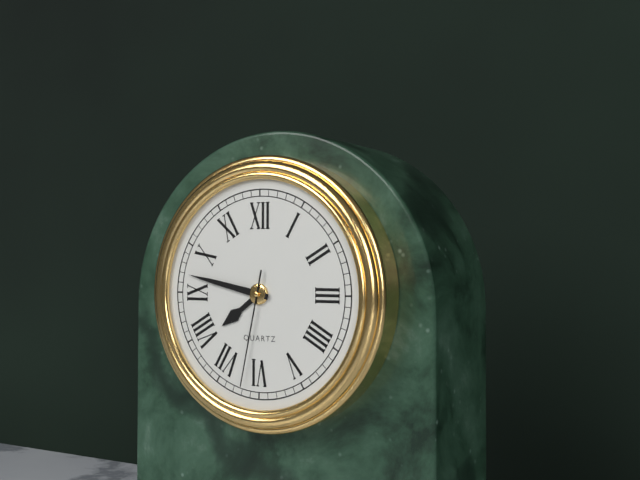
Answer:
{"hour": 7, "minute": 47, "second": 32}
